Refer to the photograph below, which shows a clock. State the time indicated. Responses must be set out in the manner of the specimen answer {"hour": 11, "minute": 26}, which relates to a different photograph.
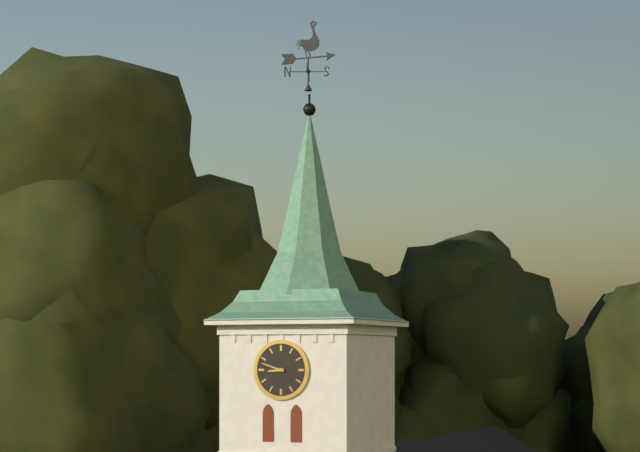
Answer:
{"hour": 8, "minute": 48}
